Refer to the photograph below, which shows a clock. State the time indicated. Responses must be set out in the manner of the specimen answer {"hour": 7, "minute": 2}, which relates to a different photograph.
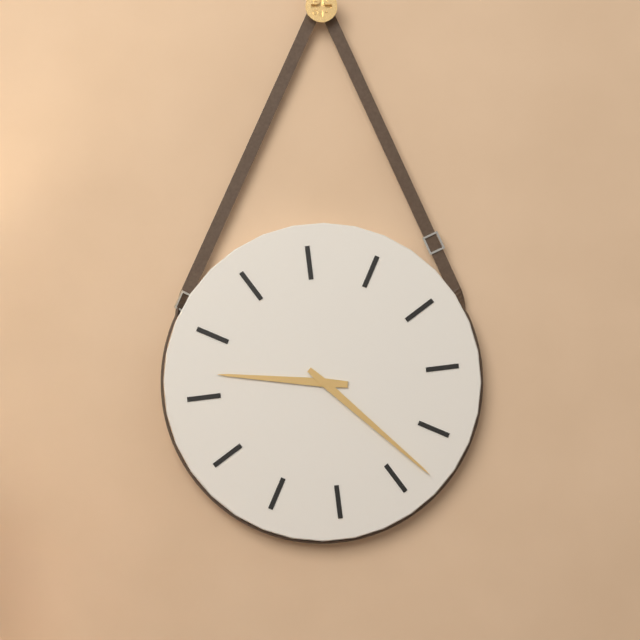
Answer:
{"hour": 9, "minute": 23}
